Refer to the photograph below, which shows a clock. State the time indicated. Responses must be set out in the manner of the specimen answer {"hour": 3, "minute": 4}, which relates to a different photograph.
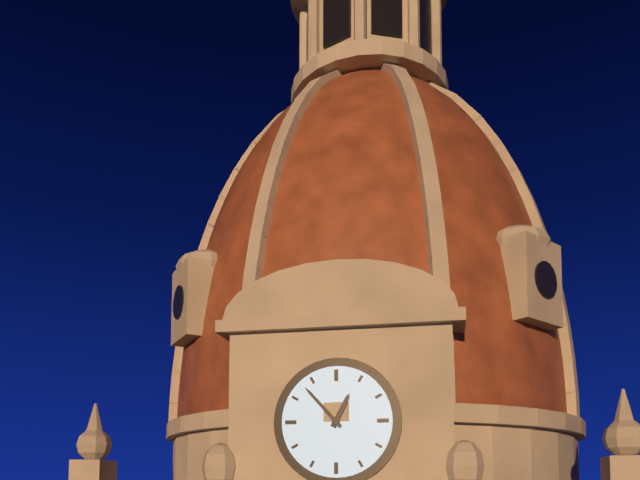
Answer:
{"hour": 12, "minute": 53}
